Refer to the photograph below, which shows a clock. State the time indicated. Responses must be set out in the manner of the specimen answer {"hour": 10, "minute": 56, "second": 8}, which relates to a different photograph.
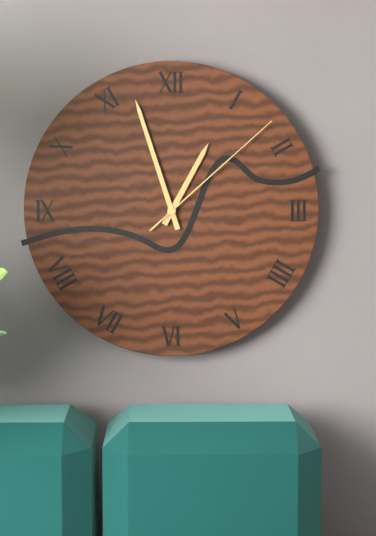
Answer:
{"hour": 12, "minute": 57, "second": 8}
